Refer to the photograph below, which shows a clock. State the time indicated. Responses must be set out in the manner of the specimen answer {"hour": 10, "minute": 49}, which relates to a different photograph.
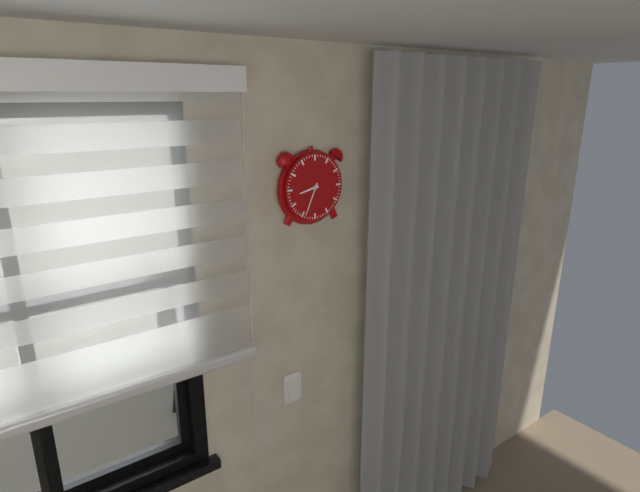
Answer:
{"hour": 8, "minute": 34}
